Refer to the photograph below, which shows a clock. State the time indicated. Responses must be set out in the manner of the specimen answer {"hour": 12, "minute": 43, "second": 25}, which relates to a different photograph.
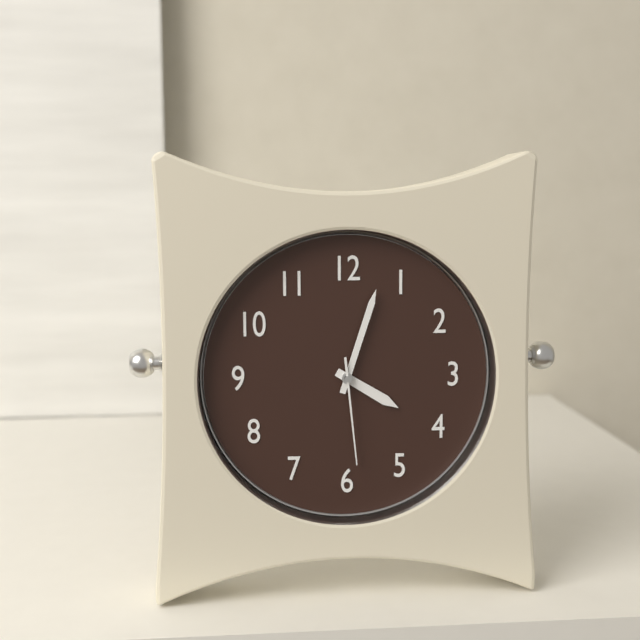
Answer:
{"hour": 4, "minute": 3, "second": 29}
